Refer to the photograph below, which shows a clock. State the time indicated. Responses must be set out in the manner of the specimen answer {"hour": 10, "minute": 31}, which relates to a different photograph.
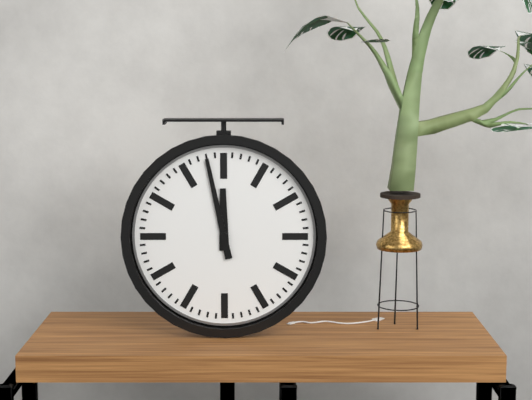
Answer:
{"hour": 11, "minute": 58}
